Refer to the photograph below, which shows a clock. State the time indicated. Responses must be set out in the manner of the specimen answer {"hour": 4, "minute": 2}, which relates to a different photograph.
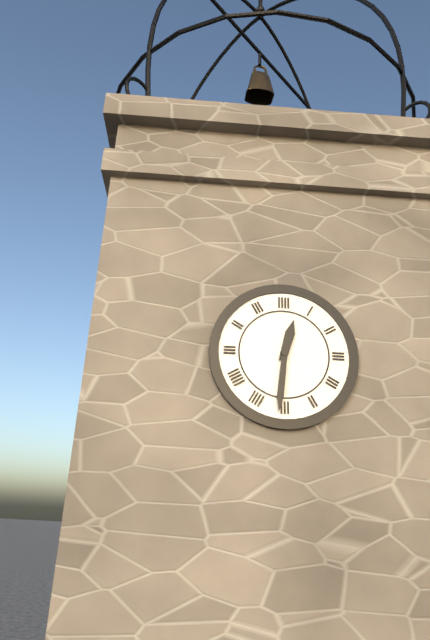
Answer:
{"hour": 12, "minute": 31}
